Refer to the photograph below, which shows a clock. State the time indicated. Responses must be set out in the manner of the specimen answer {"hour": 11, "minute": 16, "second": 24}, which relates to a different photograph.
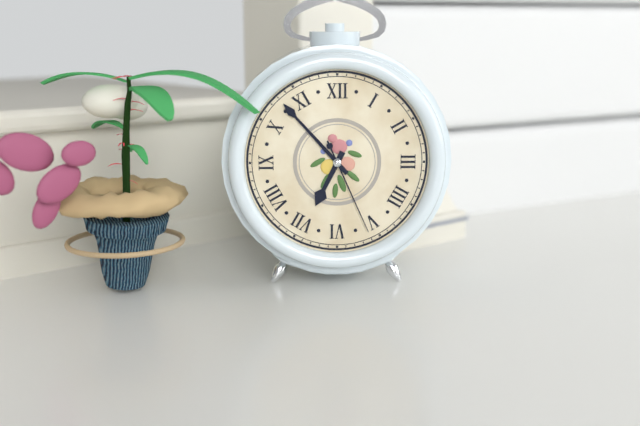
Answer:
{"hour": 6, "minute": 53, "second": 26}
